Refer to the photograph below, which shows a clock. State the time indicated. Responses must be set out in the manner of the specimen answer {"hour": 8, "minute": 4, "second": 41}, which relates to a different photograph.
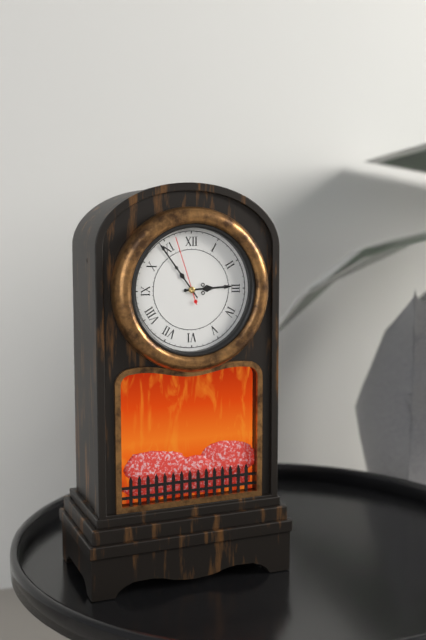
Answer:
{"hour": 2, "minute": 54, "second": 57}
